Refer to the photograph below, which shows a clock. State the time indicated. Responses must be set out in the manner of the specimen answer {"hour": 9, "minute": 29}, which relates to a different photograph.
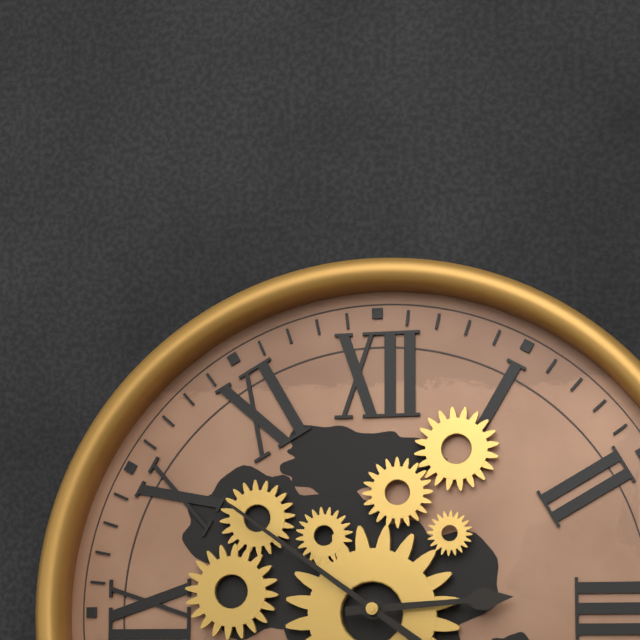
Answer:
{"hour": 2, "minute": 51}
